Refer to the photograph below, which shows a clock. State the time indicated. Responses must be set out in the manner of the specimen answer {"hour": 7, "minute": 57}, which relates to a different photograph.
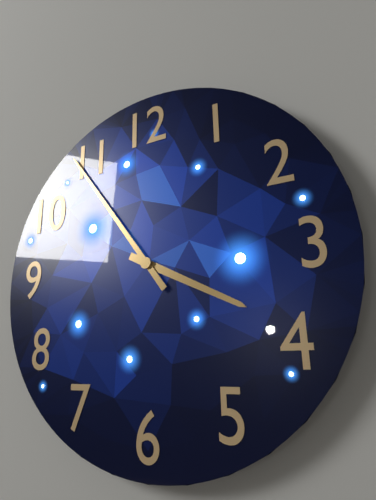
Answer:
{"hour": 3, "minute": 54}
